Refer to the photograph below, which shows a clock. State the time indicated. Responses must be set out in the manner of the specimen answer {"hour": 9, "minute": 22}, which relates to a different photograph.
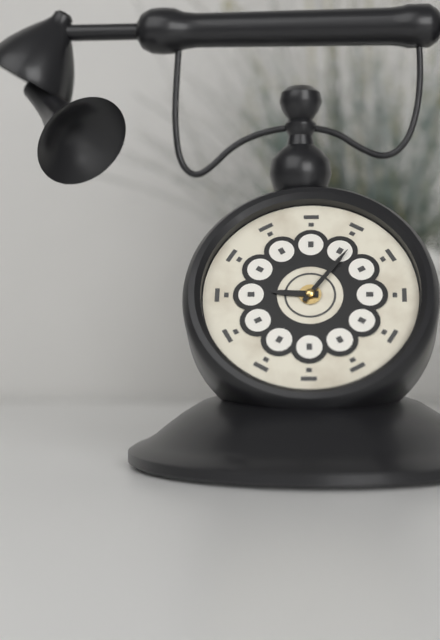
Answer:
{"hour": 9, "minute": 6}
